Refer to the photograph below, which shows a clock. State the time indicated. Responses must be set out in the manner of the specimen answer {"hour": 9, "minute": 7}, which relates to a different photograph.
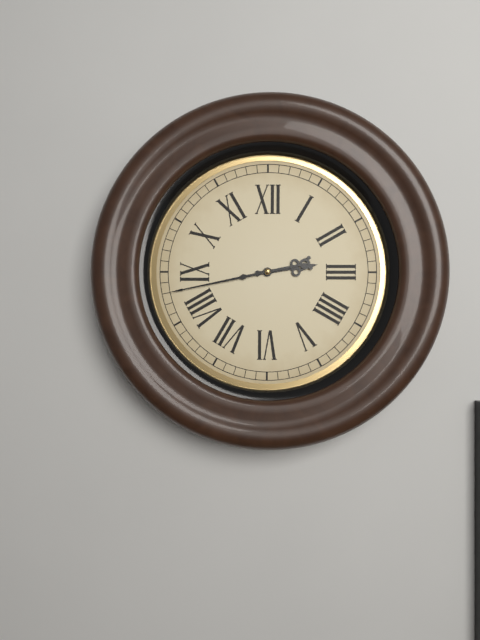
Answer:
{"hour": 2, "minute": 43}
